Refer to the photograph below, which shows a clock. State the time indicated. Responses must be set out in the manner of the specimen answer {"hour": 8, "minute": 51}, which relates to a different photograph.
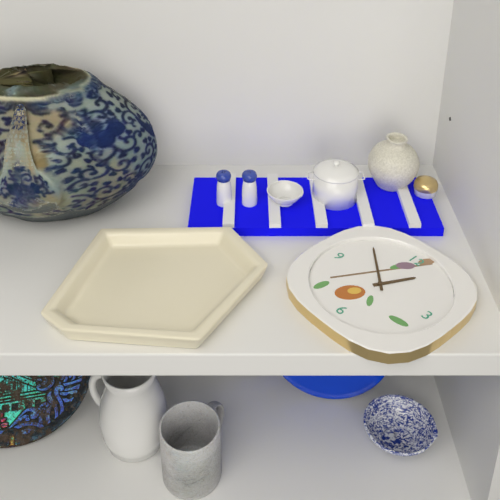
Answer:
{"hour": 12, "minute": 52}
